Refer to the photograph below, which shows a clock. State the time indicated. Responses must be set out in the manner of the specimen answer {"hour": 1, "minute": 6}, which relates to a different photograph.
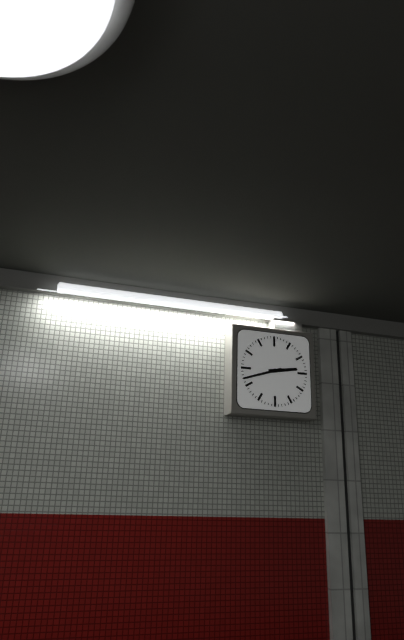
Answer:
{"hour": 2, "minute": 42}
